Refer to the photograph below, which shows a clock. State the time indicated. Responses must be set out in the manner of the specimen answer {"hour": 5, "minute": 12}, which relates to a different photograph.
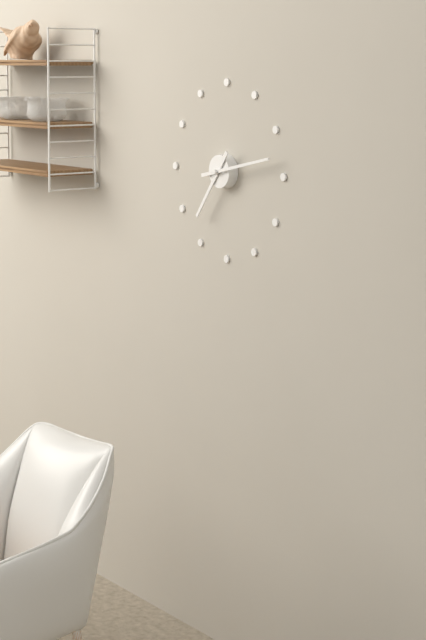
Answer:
{"hour": 7, "minute": 13}
